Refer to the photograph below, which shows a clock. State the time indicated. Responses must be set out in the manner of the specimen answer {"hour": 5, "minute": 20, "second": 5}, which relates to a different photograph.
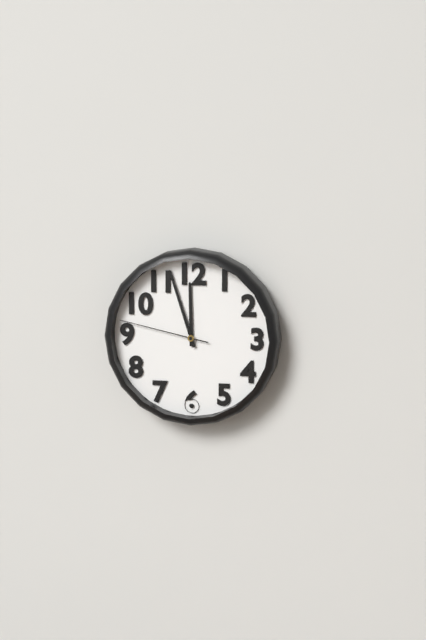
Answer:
{"hour": 11, "minute": 57, "second": 47}
